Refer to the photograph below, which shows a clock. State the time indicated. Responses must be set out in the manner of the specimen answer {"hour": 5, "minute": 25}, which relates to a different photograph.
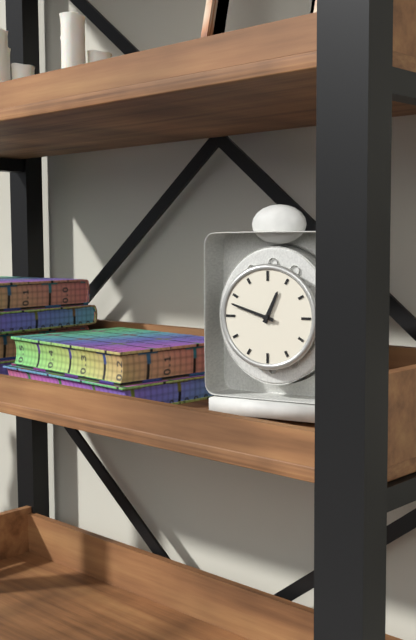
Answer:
{"hour": 12, "minute": 48}
